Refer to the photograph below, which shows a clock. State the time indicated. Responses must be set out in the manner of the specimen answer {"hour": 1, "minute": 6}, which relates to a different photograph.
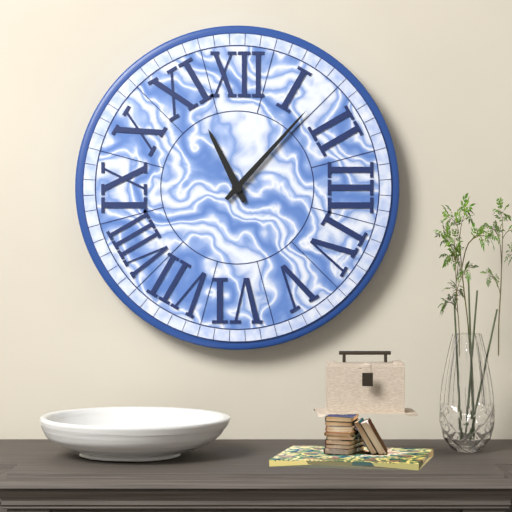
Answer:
{"hour": 11, "minute": 7}
